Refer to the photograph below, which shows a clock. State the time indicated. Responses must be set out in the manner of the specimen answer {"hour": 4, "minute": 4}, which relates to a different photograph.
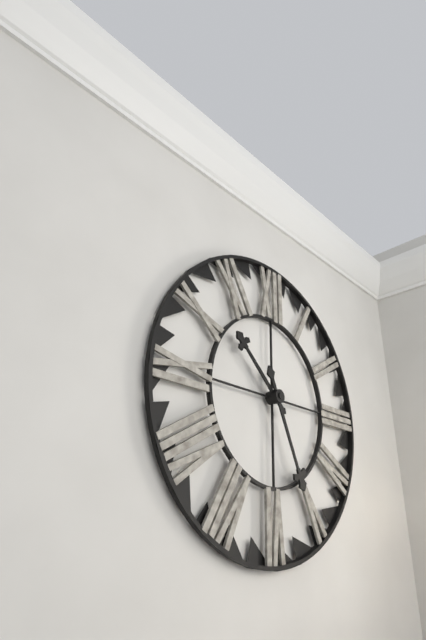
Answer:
{"hour": 10, "minute": 26}
